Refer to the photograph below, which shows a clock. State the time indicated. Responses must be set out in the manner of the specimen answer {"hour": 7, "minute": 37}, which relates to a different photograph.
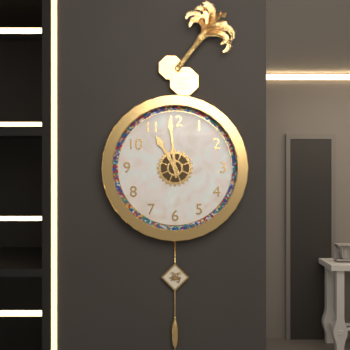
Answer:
{"hour": 10, "minute": 59}
